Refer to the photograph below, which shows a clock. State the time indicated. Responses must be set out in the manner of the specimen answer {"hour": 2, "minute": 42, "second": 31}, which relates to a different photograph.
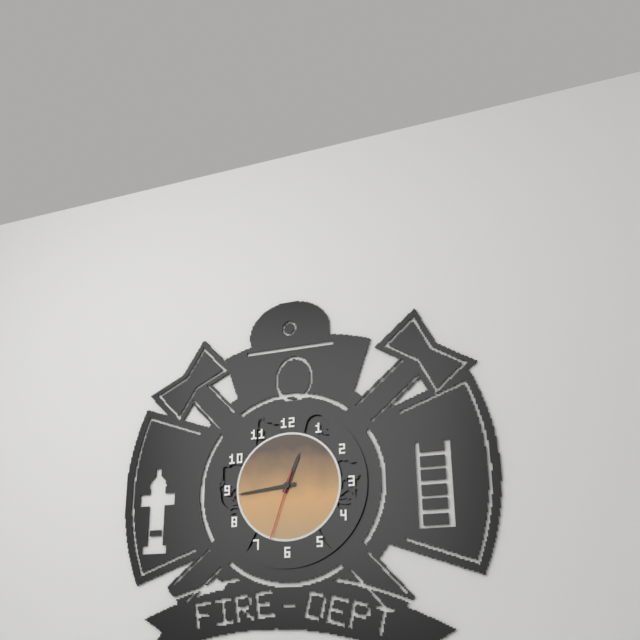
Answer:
{"hour": 12, "minute": 44, "second": 33}
